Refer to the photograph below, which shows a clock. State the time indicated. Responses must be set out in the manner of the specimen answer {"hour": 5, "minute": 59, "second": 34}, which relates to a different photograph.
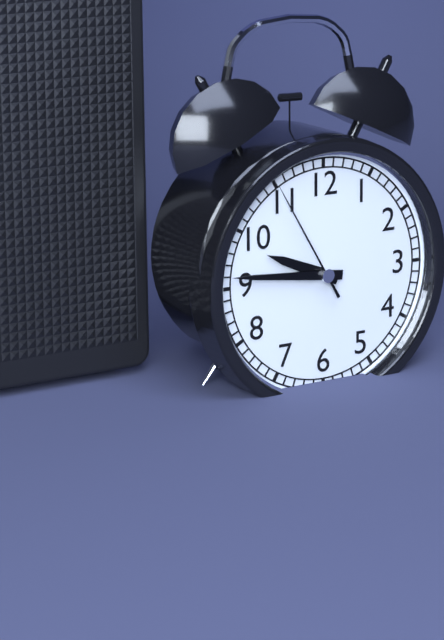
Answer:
{"hour": 9, "minute": 46, "second": 55}
